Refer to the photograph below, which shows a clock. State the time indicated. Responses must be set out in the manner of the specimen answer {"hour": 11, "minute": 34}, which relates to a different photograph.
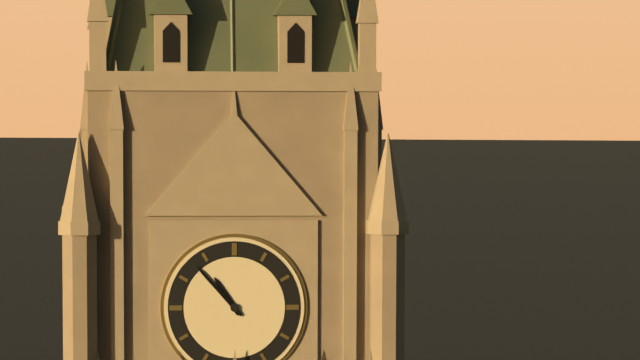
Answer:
{"hour": 10, "minute": 53}
